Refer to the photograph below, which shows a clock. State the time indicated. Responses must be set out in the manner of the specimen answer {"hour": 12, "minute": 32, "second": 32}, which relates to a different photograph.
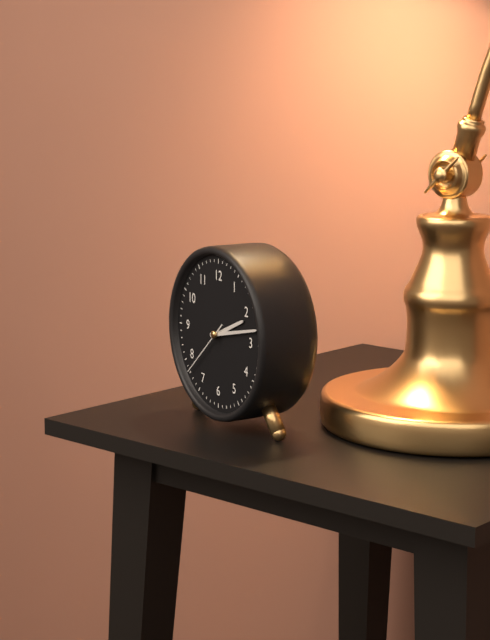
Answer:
{"hour": 2, "minute": 13, "second": 38}
